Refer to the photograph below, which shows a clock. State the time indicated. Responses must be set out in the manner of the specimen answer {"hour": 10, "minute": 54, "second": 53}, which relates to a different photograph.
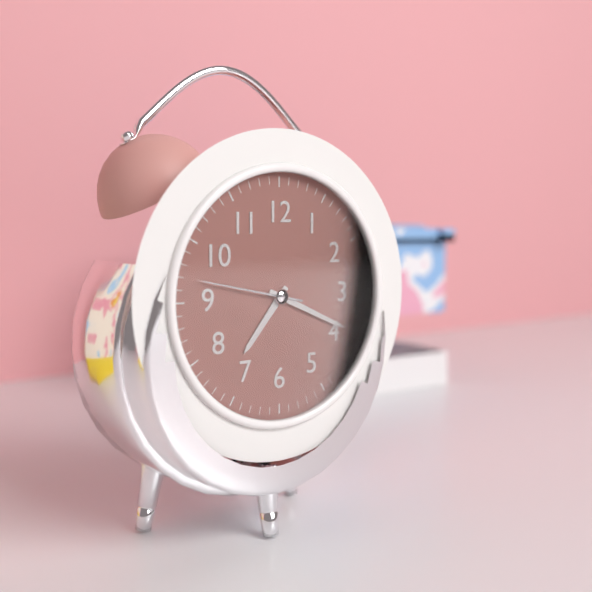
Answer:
{"hour": 7, "minute": 19, "second": 47}
